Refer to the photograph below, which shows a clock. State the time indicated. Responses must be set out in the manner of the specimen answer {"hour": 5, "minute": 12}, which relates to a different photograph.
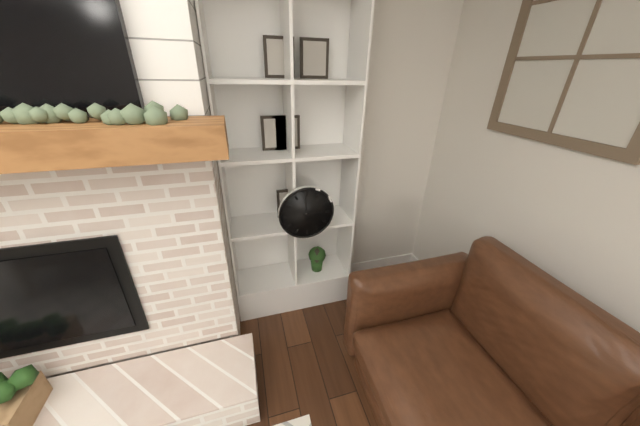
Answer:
{"hour": 2, "minute": 59}
